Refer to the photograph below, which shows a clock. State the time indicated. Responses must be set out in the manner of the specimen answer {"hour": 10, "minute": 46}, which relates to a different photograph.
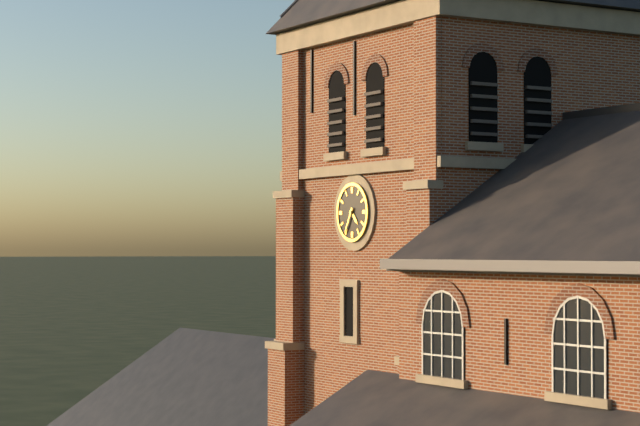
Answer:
{"hour": 4, "minute": 35}
